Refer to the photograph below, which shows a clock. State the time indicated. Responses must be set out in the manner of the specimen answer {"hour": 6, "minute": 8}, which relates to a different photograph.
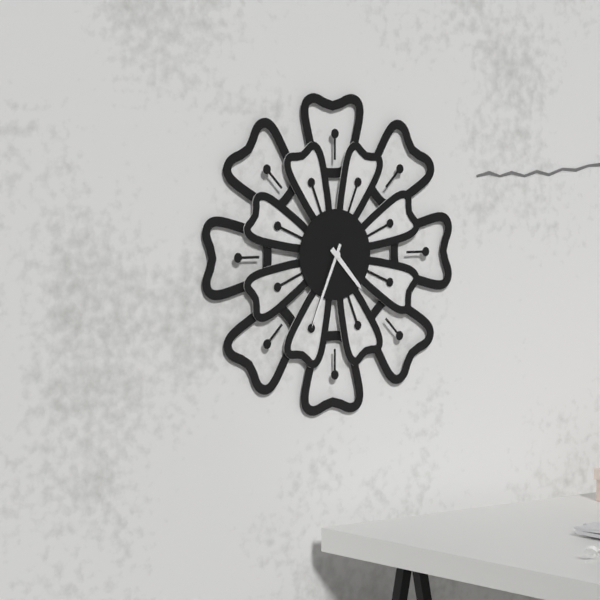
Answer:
{"hour": 4, "minute": 34}
